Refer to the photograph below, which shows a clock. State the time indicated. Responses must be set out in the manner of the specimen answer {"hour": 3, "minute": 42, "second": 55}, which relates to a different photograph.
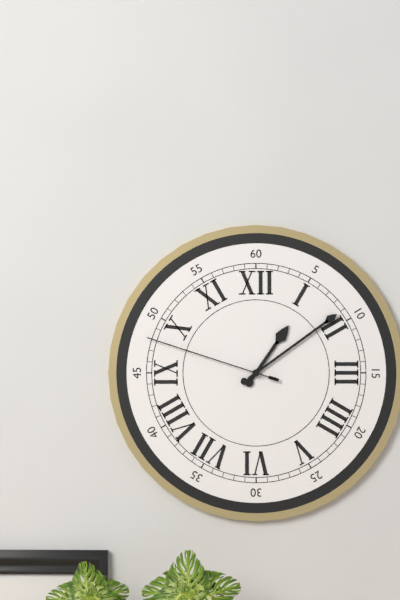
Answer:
{"hour": 1, "minute": 9, "second": 48}
